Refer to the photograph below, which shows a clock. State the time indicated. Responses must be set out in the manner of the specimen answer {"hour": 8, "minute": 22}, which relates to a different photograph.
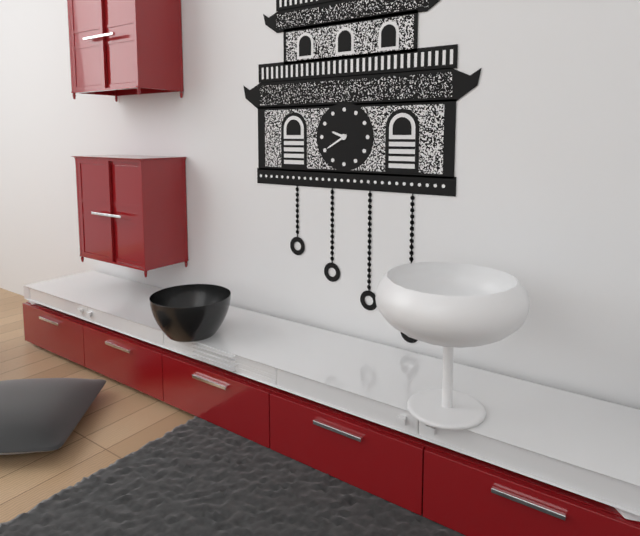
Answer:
{"hour": 9, "minute": 40}
